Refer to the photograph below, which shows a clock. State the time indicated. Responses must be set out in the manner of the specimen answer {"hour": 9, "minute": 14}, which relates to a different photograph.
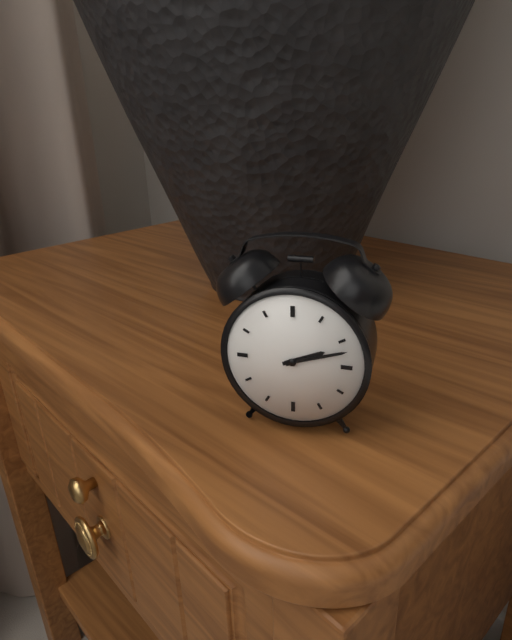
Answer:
{"hour": 2, "minute": 12}
